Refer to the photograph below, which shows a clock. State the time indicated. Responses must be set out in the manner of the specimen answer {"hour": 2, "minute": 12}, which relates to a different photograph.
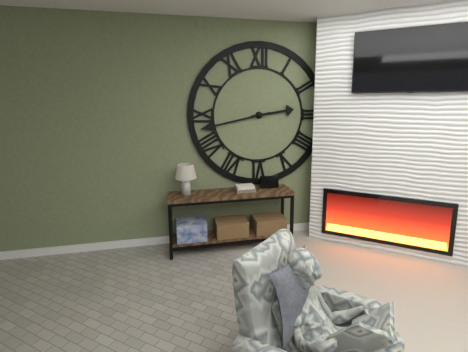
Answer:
{"hour": 2, "minute": 43}
